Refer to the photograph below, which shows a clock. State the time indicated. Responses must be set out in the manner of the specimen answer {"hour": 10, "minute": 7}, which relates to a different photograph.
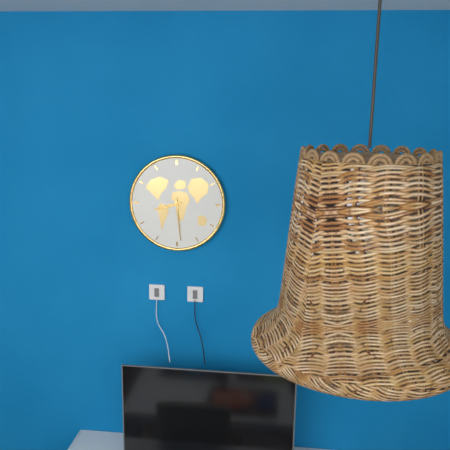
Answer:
{"hour": 8, "minute": 29}
